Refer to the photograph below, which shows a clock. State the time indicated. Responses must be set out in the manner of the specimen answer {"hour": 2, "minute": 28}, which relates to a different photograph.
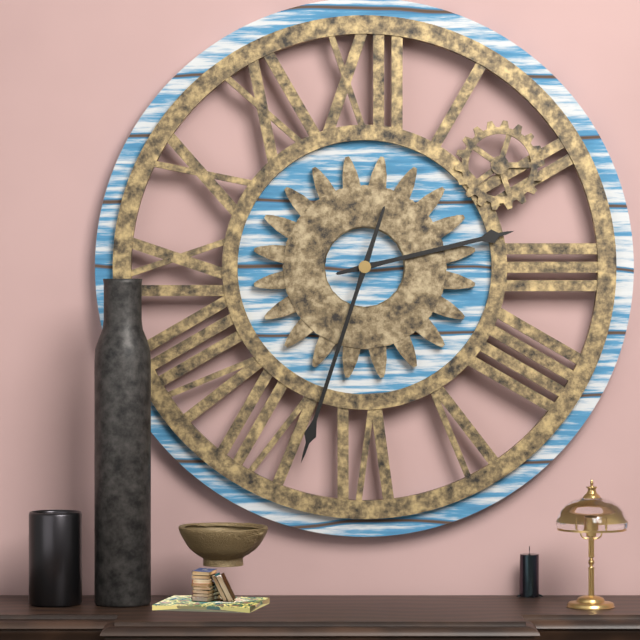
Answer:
{"hour": 2, "minute": 33}
